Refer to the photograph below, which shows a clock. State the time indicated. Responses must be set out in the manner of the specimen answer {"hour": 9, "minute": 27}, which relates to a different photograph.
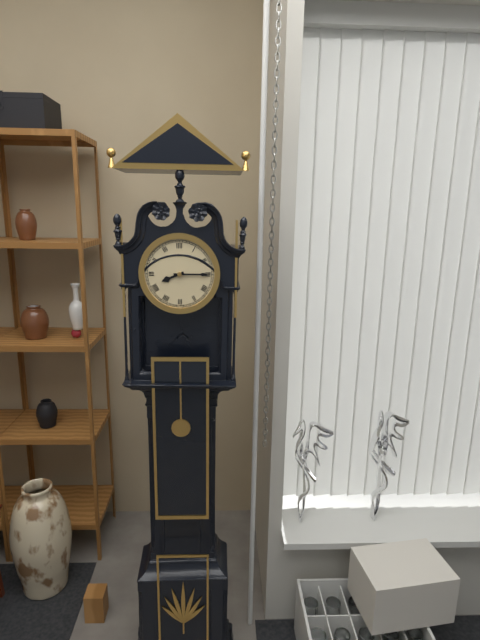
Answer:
{"hour": 8, "minute": 15}
